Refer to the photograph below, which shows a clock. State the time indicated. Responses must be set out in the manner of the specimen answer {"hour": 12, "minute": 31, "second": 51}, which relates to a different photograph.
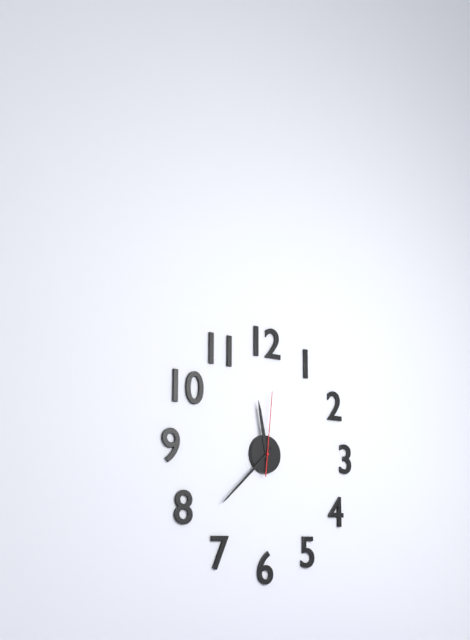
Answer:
{"hour": 11, "minute": 38, "second": 1}
